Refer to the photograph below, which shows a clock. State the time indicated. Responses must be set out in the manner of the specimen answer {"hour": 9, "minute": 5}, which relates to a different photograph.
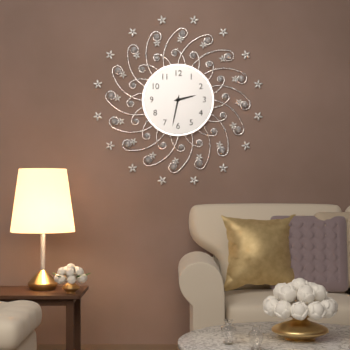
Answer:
{"hour": 2, "minute": 32}
